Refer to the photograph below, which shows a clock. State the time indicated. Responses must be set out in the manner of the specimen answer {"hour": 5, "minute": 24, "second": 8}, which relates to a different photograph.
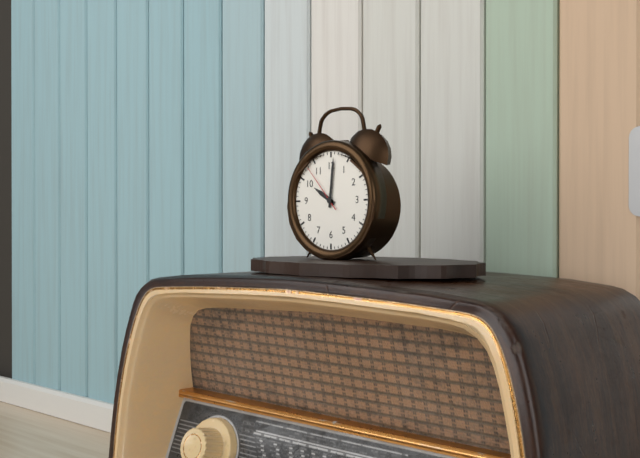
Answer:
{"hour": 10, "minute": 1, "second": 53}
